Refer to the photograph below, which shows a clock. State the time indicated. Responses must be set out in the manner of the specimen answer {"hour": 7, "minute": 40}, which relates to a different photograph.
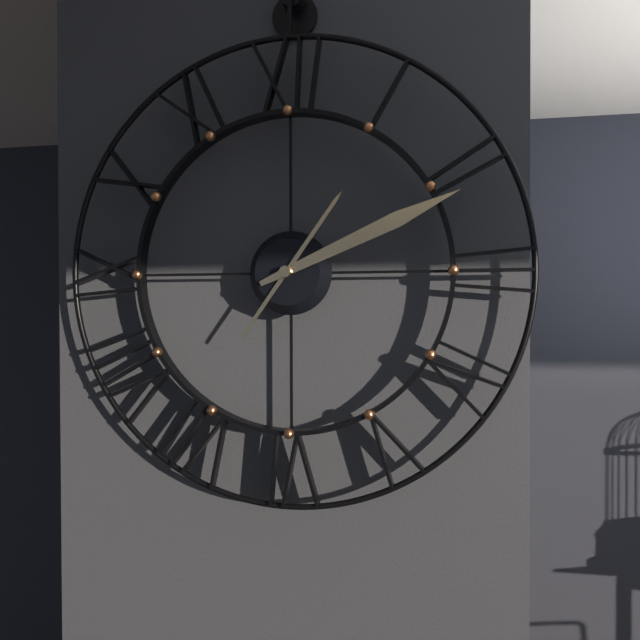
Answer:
{"hour": 1, "minute": 11}
